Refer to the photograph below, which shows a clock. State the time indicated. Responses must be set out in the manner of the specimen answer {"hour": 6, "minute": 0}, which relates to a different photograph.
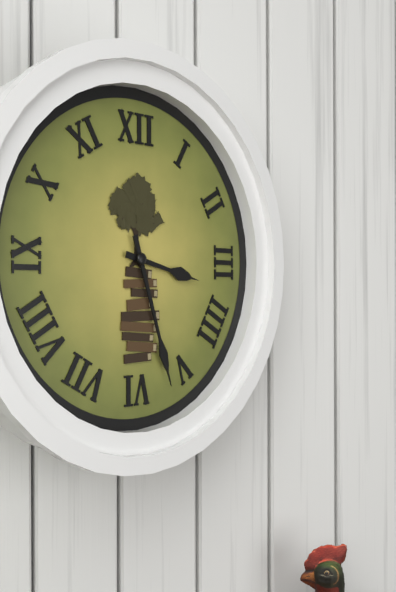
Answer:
{"hour": 3, "minute": 27}
